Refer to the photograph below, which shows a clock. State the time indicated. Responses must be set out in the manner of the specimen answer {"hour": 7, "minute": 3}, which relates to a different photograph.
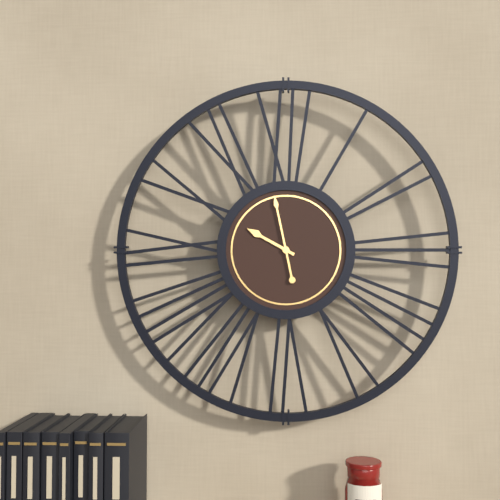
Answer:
{"hour": 9, "minute": 58}
